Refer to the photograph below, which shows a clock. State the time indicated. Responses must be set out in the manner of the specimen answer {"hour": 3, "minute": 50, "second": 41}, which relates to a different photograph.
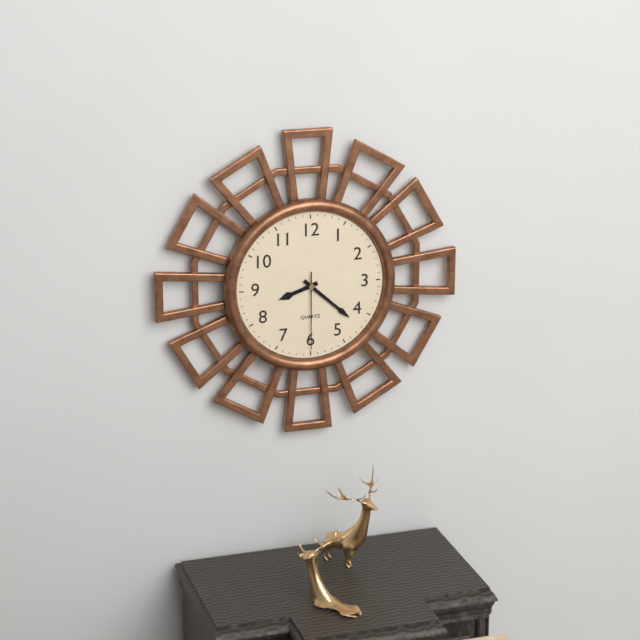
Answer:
{"hour": 8, "minute": 22, "second": 30}
